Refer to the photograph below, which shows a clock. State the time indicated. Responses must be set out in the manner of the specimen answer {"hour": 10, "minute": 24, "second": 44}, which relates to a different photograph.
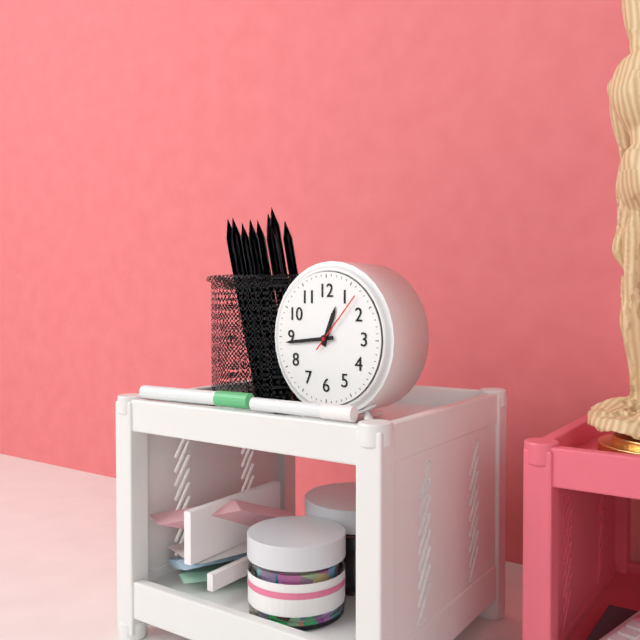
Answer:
{"hour": 12, "minute": 44, "second": 7}
